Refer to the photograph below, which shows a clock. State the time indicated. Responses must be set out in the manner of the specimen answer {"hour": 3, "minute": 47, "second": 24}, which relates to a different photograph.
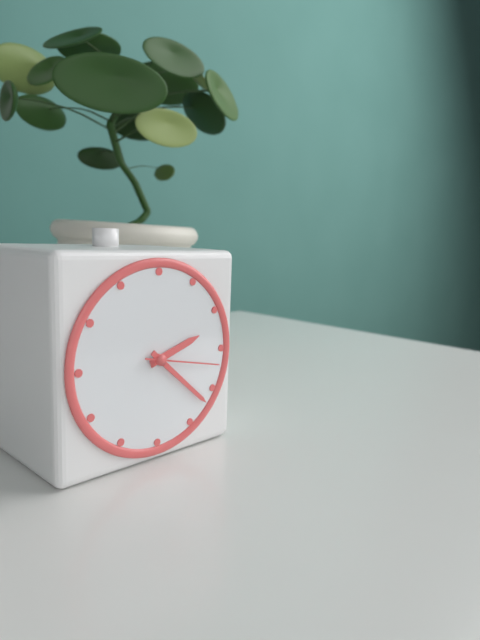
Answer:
{"hour": 2, "minute": 22, "second": 17}
